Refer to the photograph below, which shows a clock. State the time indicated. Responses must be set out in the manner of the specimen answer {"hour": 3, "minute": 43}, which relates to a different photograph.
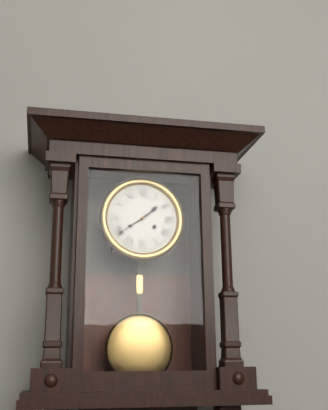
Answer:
{"hour": 1, "minute": 39}
